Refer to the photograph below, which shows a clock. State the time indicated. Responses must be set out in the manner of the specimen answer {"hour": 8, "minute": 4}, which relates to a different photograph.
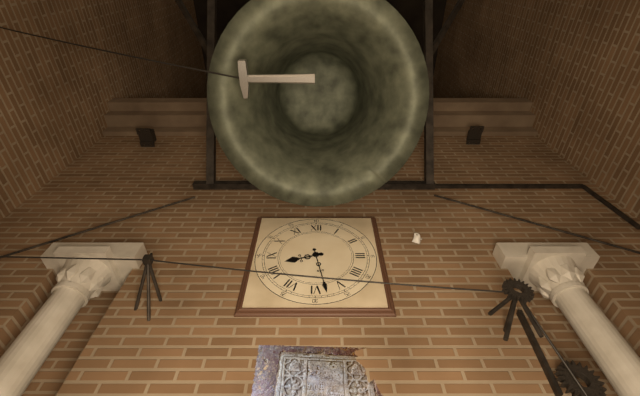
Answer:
{"hour": 8, "minute": 28}
